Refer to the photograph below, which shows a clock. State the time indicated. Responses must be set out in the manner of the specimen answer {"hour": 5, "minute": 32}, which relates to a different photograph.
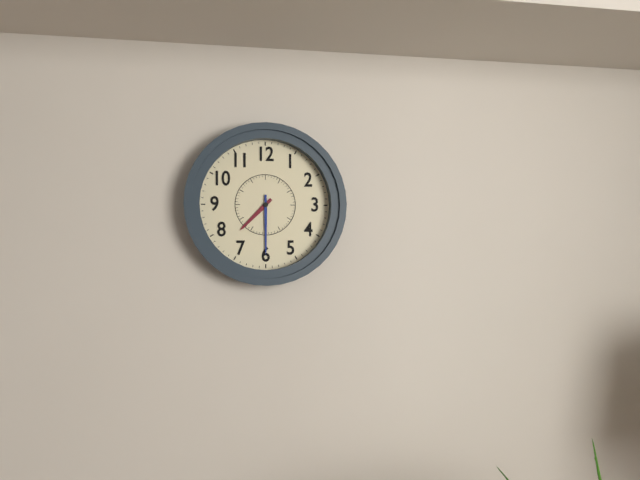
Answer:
{"hour": 7, "minute": 30}
